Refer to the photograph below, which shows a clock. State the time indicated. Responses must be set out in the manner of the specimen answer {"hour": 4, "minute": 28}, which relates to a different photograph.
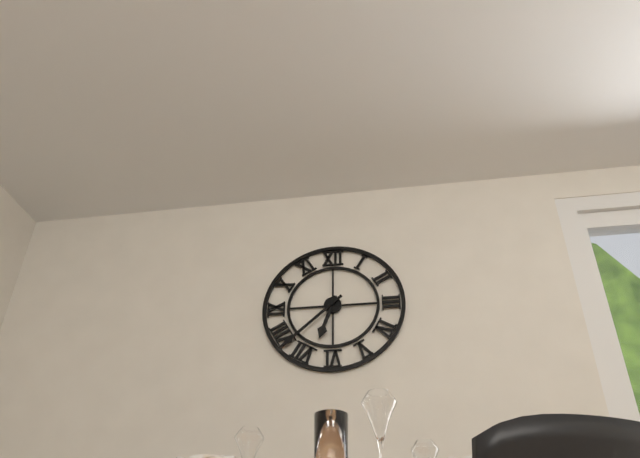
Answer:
{"hour": 6, "minute": 38}
